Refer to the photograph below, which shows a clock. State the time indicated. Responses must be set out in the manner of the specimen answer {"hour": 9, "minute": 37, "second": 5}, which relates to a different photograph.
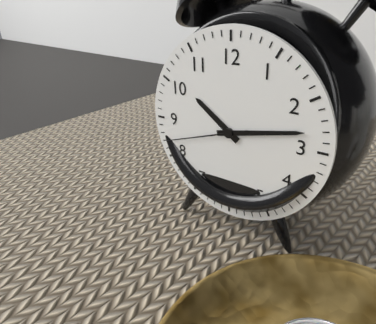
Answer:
{"hour": 10, "minute": 13, "second": 42}
